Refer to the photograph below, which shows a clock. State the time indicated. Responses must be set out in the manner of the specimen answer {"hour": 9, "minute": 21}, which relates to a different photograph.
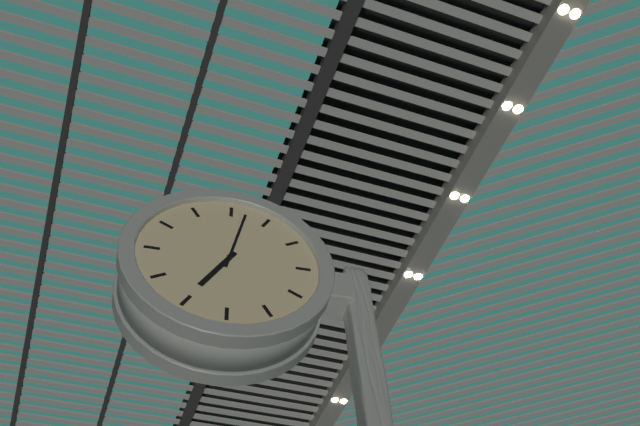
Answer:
{"hour": 7, "minute": 2}
